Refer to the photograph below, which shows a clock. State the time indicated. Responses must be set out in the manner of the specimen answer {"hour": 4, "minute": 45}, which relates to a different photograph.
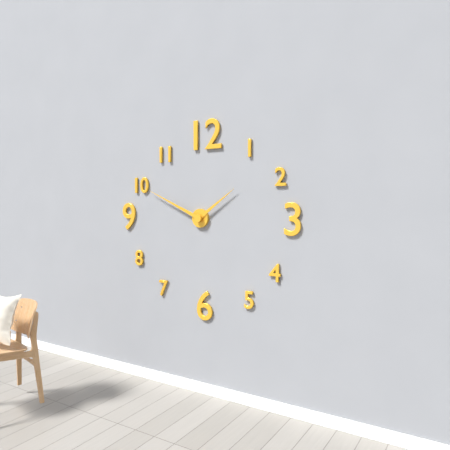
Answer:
{"hour": 1, "minute": 49}
